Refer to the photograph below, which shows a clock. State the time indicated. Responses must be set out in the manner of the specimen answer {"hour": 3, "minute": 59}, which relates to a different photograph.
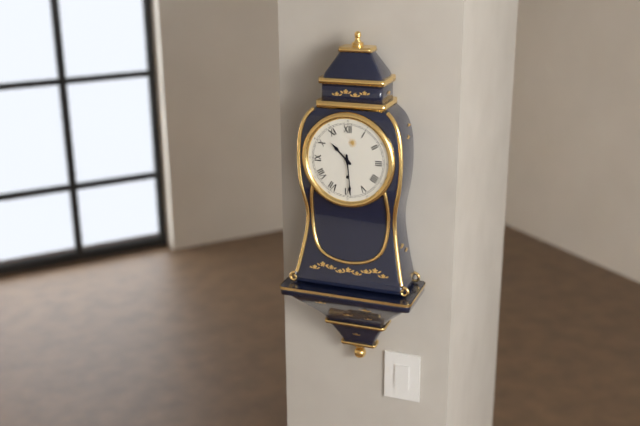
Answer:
{"hour": 10, "minute": 29}
